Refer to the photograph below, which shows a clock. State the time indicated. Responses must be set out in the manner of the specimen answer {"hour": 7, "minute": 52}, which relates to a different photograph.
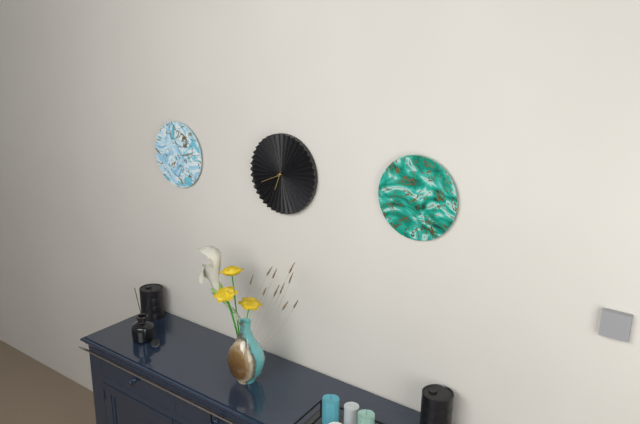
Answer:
{"hour": 6, "minute": 41}
